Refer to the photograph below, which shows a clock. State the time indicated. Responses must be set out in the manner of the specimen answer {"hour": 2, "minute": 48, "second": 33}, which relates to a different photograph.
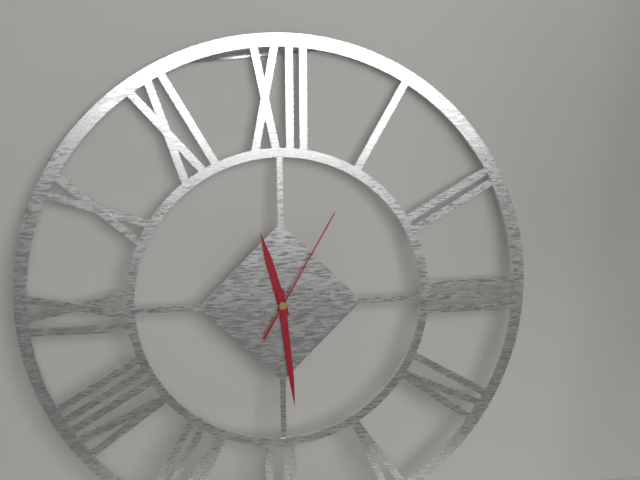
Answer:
{"hour": 11, "minute": 29, "second": 5}
